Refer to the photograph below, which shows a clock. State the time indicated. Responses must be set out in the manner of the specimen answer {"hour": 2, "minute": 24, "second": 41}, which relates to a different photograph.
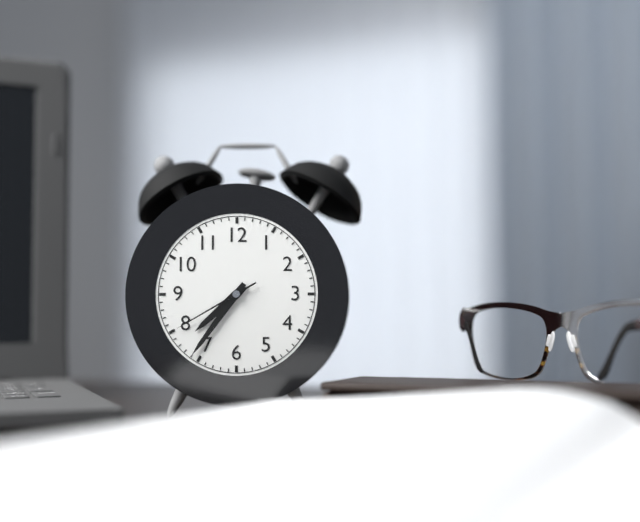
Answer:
{"hour": 7, "minute": 36, "second": 40}
